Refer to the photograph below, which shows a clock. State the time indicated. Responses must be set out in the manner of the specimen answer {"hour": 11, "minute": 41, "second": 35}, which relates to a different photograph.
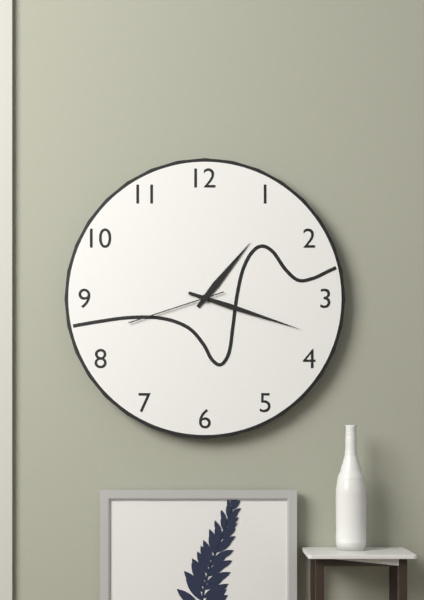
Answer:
{"hour": 1, "minute": 18, "second": 42}
